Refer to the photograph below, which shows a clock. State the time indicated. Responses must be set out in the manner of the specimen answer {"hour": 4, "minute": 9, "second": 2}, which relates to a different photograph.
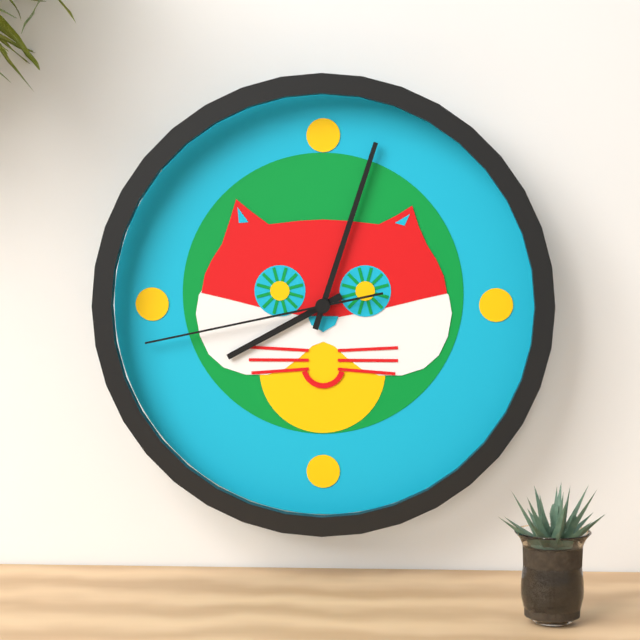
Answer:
{"hour": 8, "minute": 3, "second": 43}
